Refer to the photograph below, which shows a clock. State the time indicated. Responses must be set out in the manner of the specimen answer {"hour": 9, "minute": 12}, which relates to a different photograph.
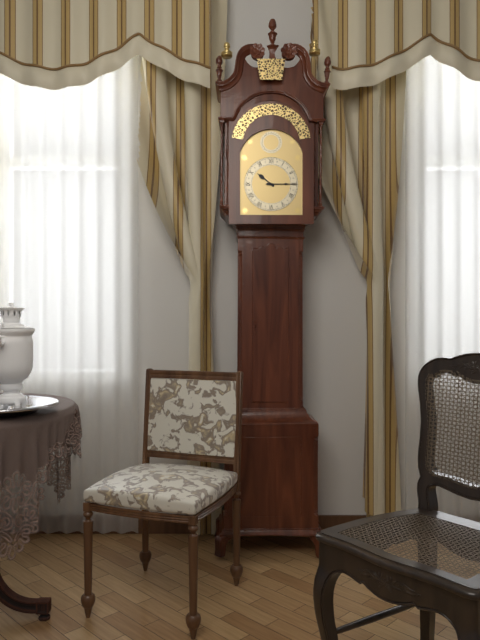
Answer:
{"hour": 10, "minute": 15}
